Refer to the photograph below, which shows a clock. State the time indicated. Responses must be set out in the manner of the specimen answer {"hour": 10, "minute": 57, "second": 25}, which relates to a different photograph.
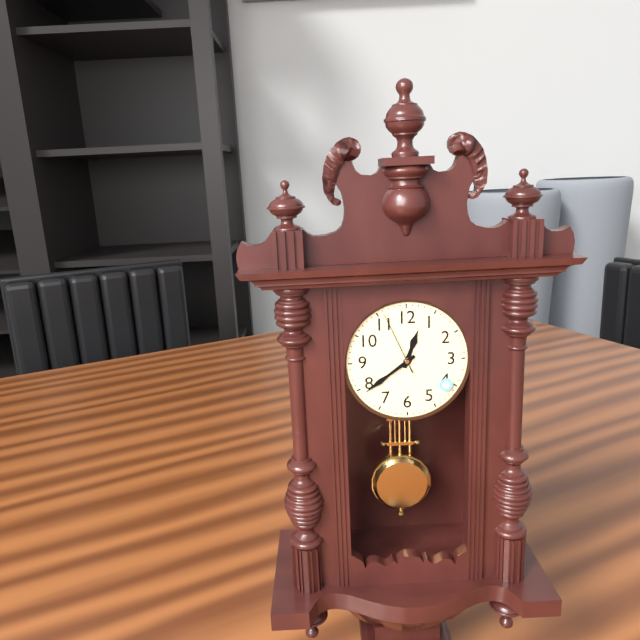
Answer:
{"hour": 12, "minute": 39, "second": 56}
